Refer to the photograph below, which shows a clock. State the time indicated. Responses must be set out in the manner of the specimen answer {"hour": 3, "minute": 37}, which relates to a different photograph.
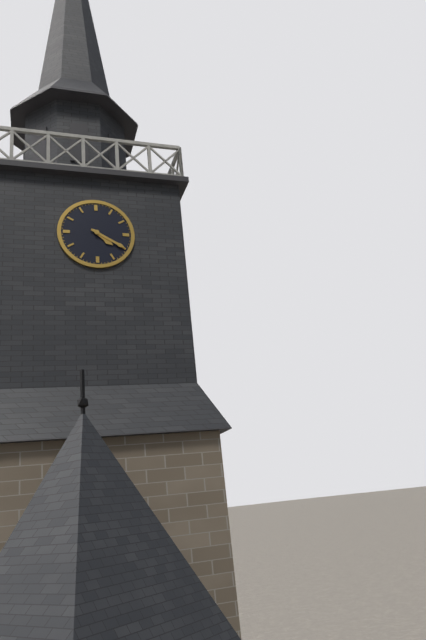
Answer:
{"hour": 4, "minute": 20}
